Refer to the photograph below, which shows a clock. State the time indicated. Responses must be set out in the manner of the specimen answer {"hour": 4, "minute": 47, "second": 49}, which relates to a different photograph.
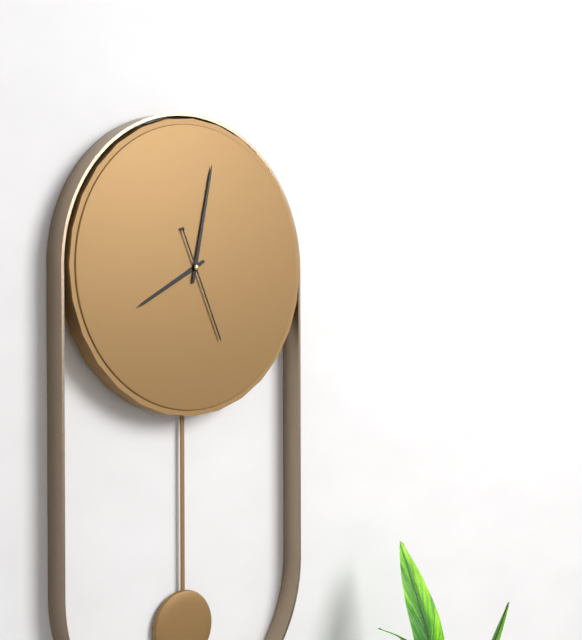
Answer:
{"hour": 8, "minute": 2, "second": 26}
